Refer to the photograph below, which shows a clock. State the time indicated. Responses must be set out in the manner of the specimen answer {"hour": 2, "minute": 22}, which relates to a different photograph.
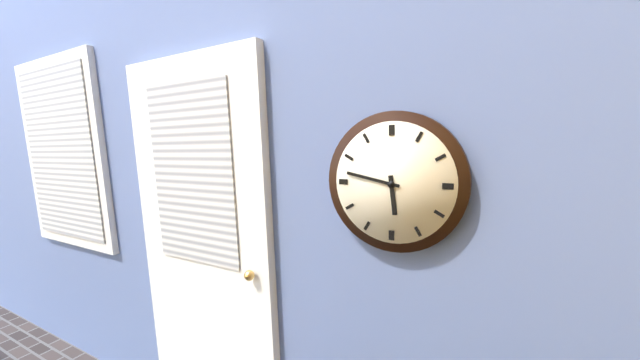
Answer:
{"hour": 5, "minute": 47}
